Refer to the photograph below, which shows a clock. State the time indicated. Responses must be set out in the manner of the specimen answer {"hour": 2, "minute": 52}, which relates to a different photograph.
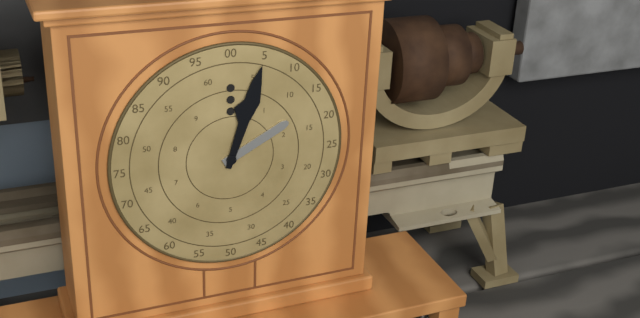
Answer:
{"hour": 2, "minute": 3}
